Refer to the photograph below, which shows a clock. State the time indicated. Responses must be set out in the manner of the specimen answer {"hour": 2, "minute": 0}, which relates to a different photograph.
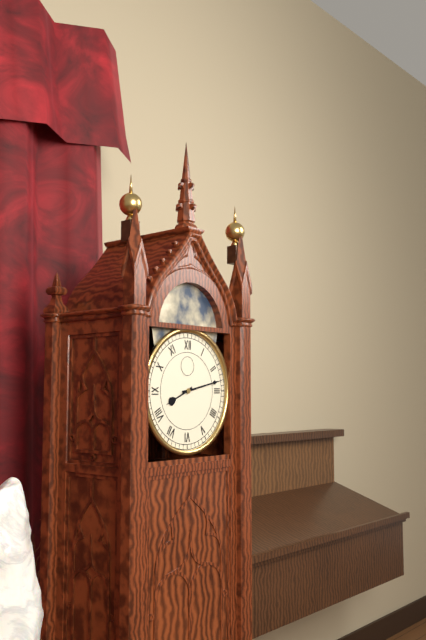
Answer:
{"hour": 8, "minute": 13}
